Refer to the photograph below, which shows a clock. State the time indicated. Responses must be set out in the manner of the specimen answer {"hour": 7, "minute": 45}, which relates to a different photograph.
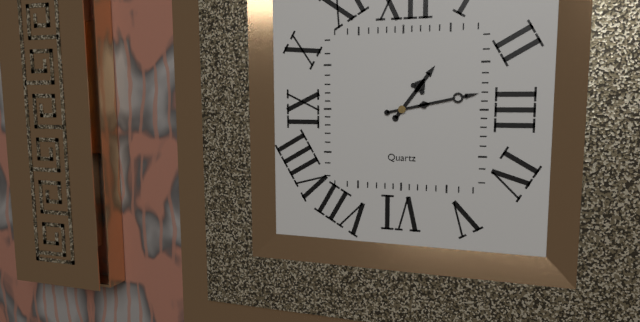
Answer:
{"hour": 1, "minute": 13}
